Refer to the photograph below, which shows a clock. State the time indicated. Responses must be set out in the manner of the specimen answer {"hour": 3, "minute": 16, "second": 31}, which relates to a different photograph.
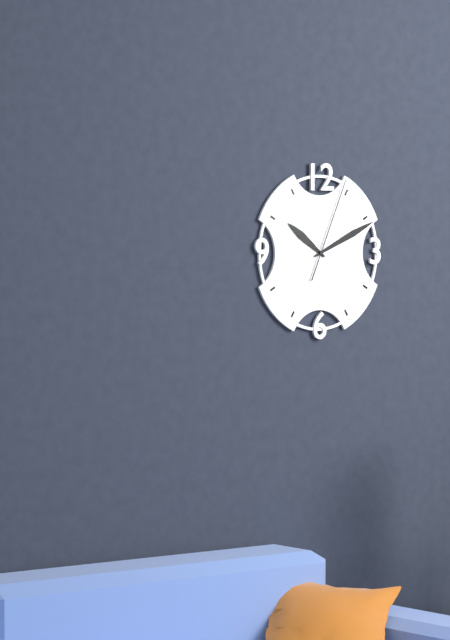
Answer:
{"hour": 10, "minute": 11, "second": 4}
